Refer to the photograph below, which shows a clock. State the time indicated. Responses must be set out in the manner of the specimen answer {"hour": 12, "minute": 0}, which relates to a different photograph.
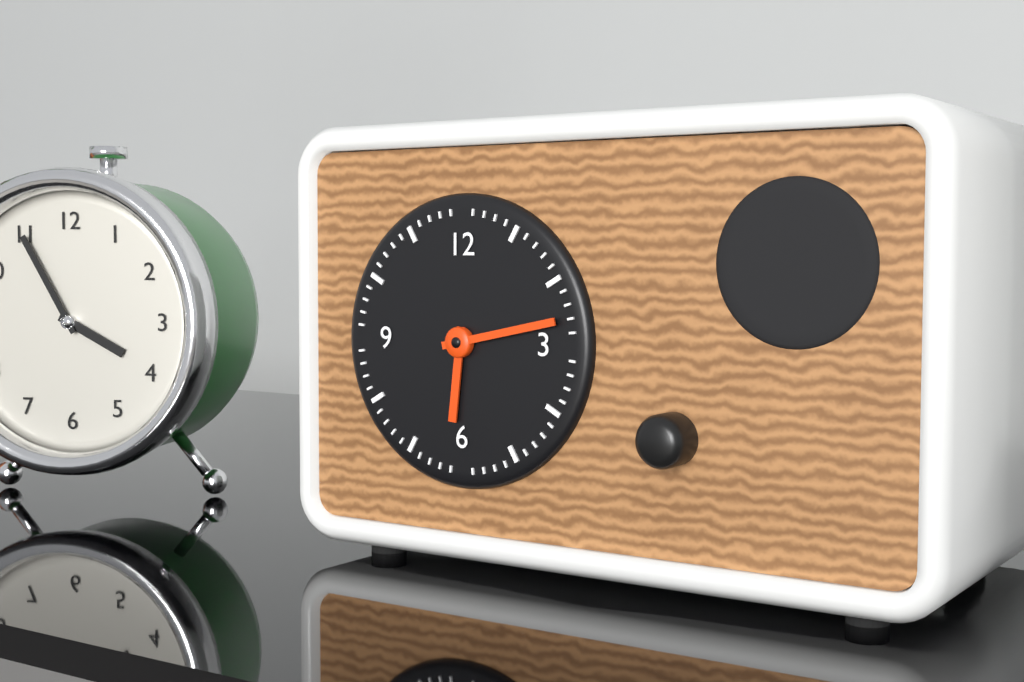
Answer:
{"hour": 6, "minute": 13}
